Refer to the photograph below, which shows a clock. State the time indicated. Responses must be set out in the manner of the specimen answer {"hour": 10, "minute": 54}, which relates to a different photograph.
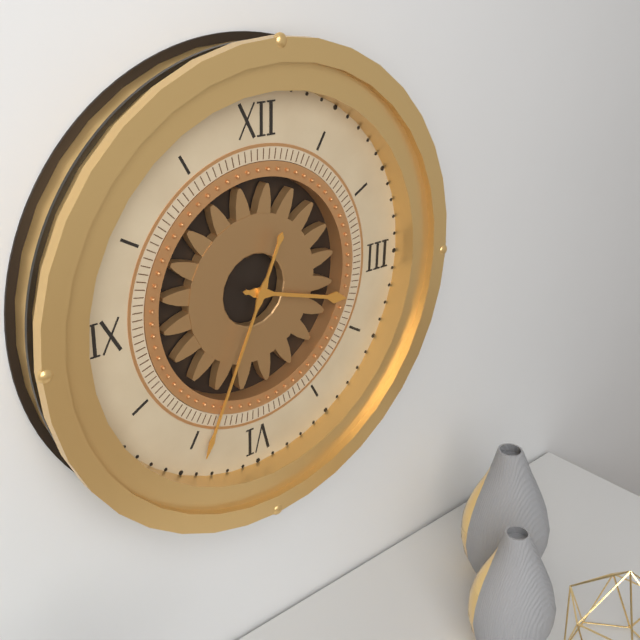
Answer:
{"hour": 3, "minute": 34}
